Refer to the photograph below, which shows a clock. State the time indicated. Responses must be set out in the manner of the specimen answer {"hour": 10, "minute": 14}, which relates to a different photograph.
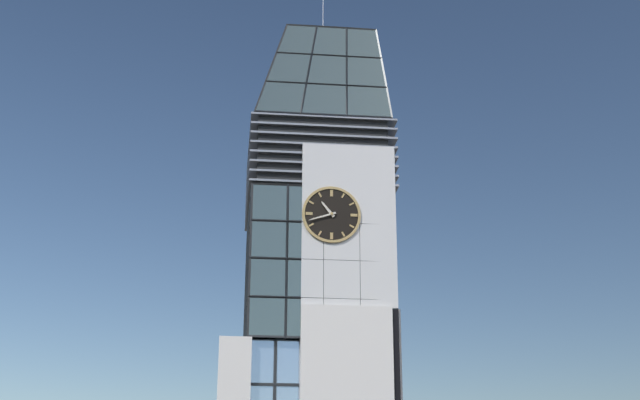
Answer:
{"hour": 10, "minute": 42}
